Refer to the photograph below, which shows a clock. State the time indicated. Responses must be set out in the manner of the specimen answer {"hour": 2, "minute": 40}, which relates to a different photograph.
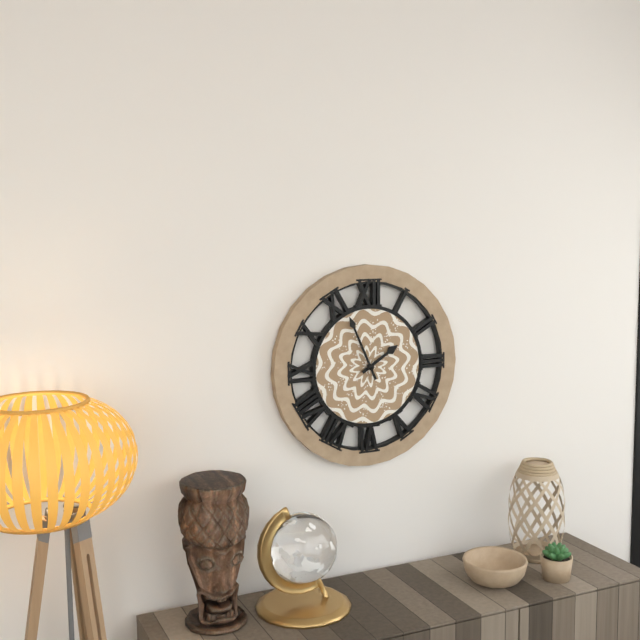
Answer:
{"hour": 1, "minute": 56}
